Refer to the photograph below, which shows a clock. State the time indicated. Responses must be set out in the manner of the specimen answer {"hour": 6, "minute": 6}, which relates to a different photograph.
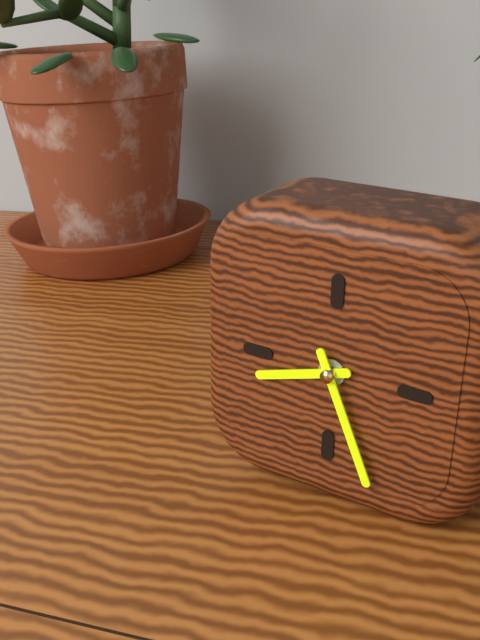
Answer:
{"hour": 8, "minute": 26}
